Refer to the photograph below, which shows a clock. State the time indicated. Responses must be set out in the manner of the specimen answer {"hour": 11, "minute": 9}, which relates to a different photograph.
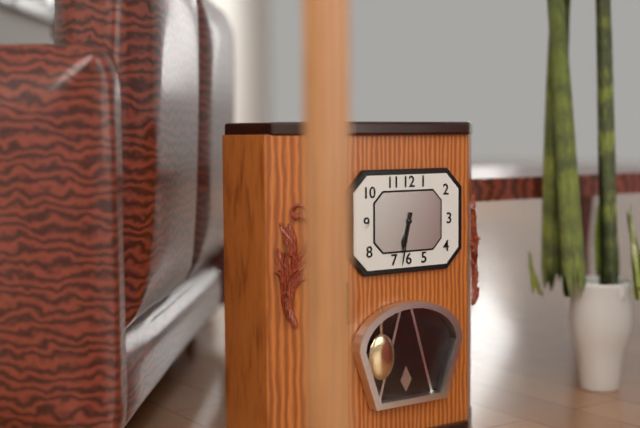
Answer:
{"hour": 6, "minute": 32}
